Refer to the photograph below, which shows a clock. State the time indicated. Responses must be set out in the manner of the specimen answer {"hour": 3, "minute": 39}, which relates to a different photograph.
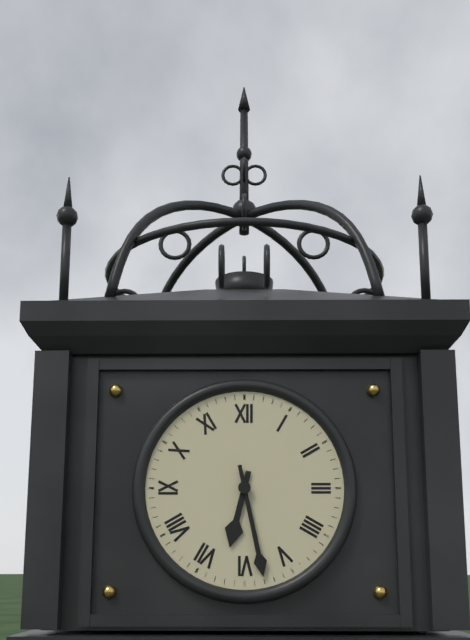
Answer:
{"hour": 6, "minute": 28}
